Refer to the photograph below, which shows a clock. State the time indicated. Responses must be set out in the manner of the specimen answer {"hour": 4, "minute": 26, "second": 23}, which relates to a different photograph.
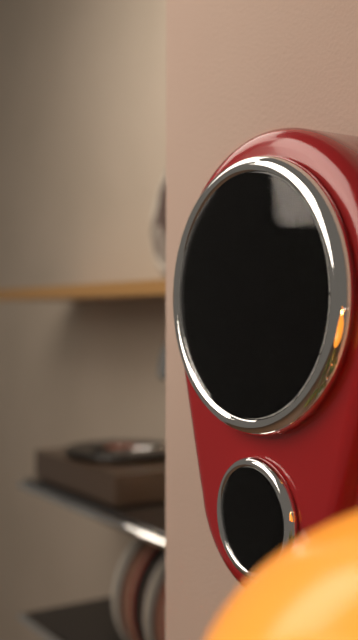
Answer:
{"hour": 7, "minute": 1, "second": 49}
